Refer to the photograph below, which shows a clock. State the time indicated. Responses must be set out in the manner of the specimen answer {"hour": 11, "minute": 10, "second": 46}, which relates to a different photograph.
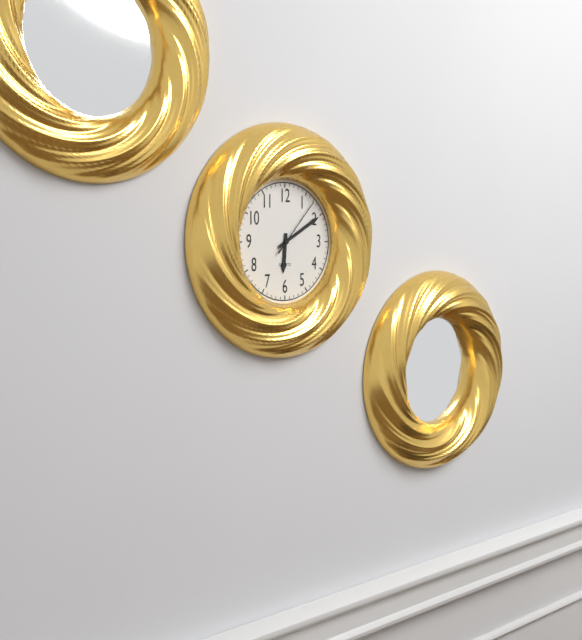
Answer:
{"hour": 6, "minute": 10, "second": 7}
